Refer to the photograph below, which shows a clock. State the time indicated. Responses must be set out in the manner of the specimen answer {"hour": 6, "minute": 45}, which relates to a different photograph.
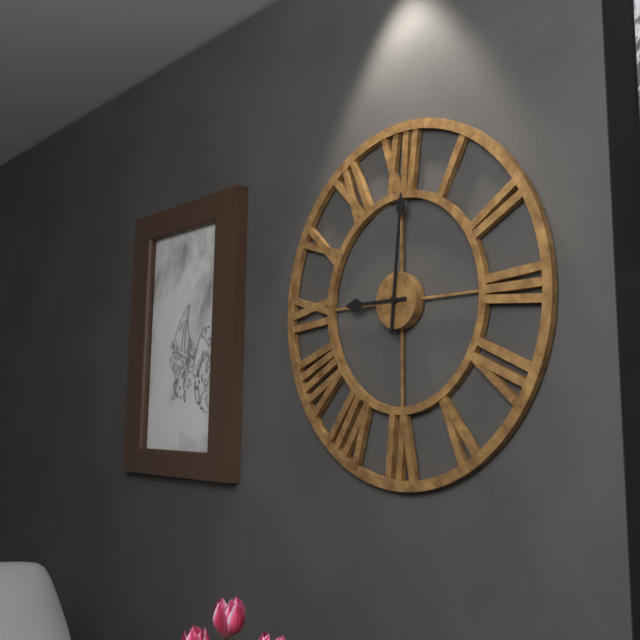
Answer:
{"hour": 9, "minute": 1}
